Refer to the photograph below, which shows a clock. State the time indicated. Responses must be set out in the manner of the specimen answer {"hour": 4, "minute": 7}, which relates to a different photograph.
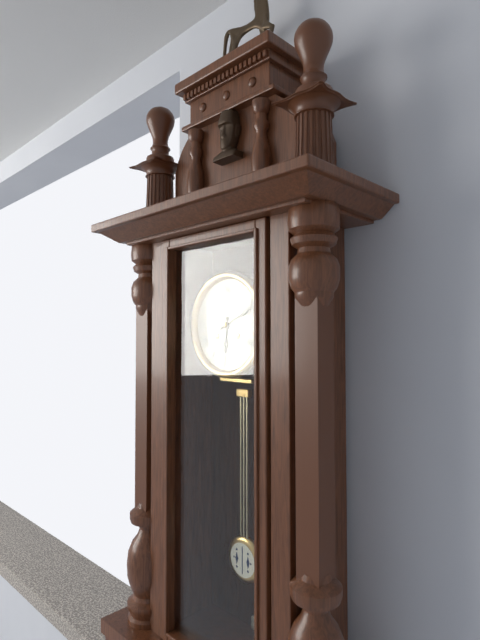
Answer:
{"hour": 6, "minute": 11}
